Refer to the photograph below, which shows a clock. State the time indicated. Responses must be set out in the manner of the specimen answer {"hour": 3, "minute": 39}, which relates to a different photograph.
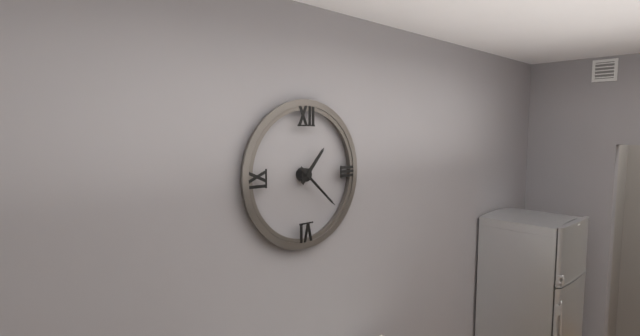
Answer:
{"hour": 1, "minute": 22}
